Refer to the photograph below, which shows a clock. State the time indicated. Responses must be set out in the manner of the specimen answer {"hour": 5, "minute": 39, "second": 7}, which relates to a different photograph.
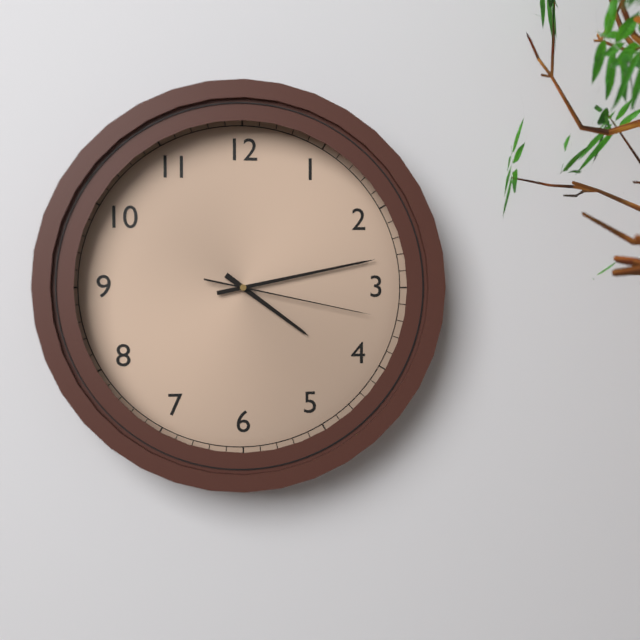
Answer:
{"hour": 4, "minute": 13, "second": 17}
